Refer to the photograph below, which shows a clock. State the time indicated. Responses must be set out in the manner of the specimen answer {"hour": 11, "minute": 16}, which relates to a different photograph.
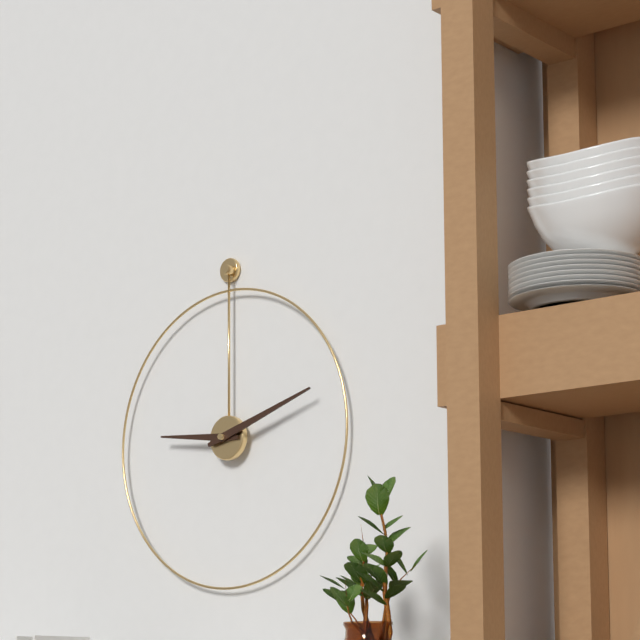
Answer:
{"hour": 9, "minute": 12}
